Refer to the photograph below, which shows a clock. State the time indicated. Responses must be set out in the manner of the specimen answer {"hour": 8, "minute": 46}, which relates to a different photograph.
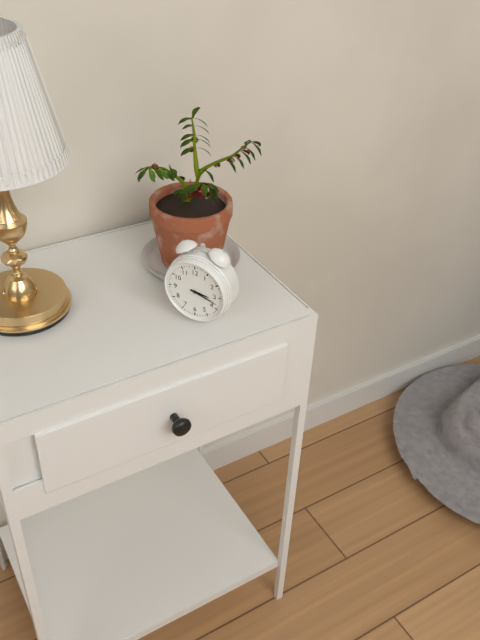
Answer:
{"hour": 3, "minute": 18}
